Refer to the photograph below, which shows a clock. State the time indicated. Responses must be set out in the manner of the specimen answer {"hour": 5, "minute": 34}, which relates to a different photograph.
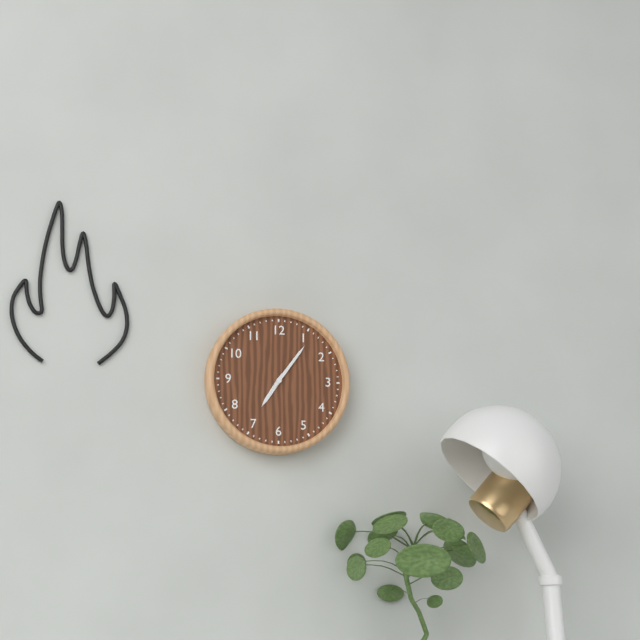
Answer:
{"hour": 7, "minute": 6}
